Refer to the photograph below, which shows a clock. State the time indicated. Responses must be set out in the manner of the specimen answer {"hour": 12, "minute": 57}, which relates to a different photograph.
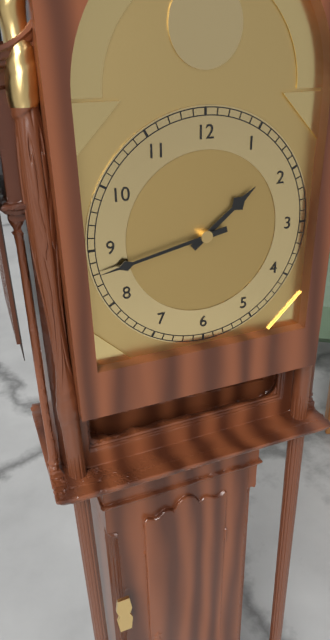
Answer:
{"hour": 1, "minute": 43}
